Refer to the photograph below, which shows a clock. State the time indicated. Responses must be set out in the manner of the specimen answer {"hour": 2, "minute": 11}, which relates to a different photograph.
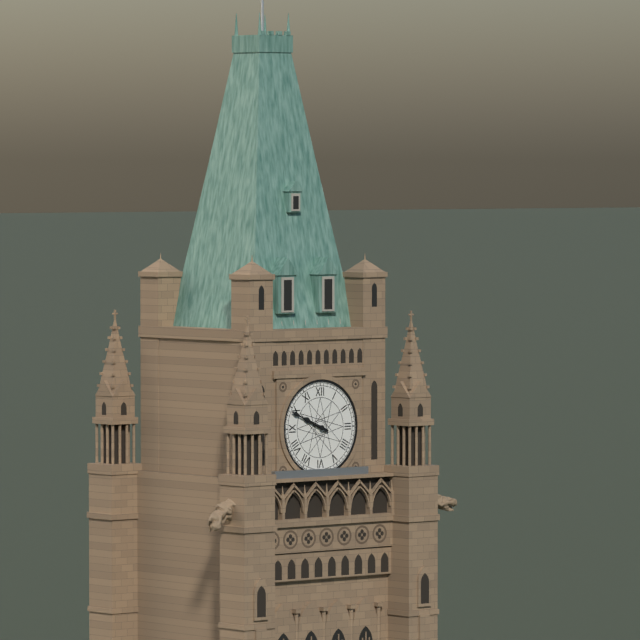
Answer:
{"hour": 9, "minute": 49}
